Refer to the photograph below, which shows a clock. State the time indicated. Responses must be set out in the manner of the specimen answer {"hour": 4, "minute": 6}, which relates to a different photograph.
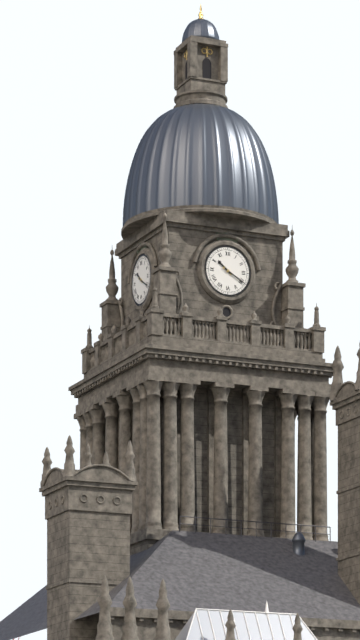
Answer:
{"hour": 10, "minute": 20}
